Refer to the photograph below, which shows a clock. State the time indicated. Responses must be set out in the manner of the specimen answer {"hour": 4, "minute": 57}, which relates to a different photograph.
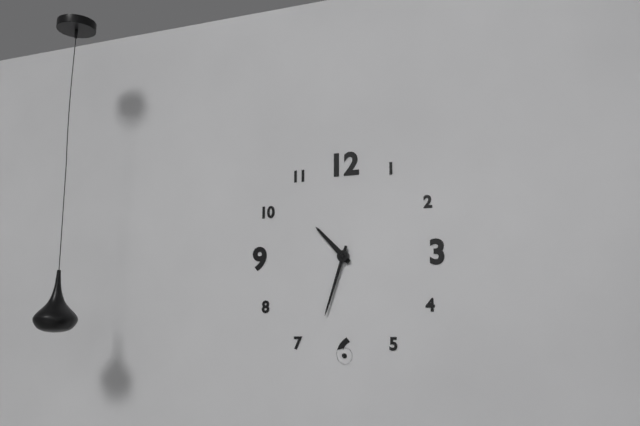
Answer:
{"hour": 10, "minute": 33}
